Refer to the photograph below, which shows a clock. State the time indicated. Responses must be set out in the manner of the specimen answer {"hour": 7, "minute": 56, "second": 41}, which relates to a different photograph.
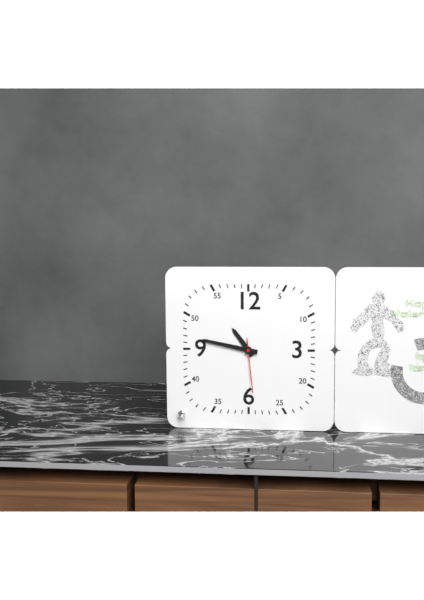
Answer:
{"hour": 10, "minute": 47, "second": 29}
